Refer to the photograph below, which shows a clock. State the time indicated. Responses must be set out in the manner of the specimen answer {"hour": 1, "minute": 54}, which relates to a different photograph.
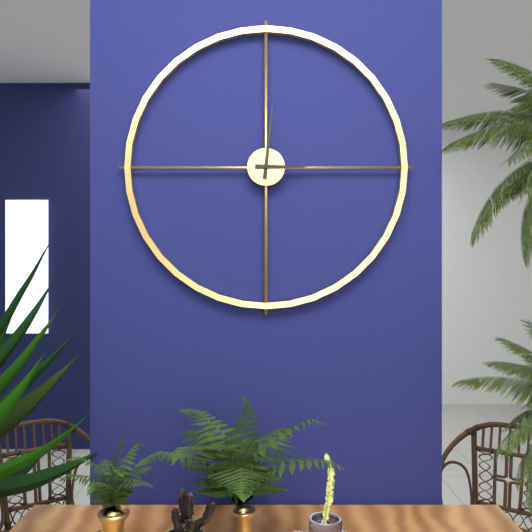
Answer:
{"hour": 3, "minute": 1}
